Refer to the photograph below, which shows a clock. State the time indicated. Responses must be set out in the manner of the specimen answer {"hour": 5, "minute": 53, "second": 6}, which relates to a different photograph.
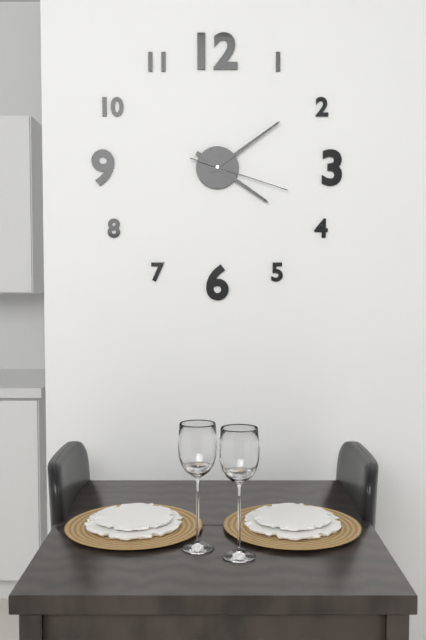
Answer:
{"hour": 4, "minute": 9, "second": 18}
